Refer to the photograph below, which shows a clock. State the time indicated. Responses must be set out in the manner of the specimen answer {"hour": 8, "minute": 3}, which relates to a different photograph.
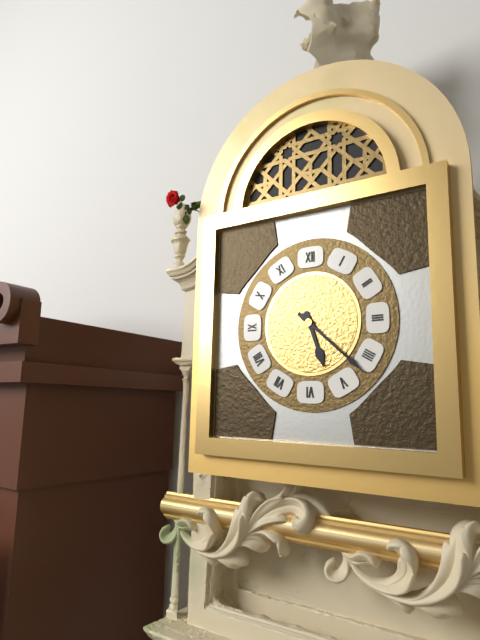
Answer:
{"hour": 5, "minute": 22}
